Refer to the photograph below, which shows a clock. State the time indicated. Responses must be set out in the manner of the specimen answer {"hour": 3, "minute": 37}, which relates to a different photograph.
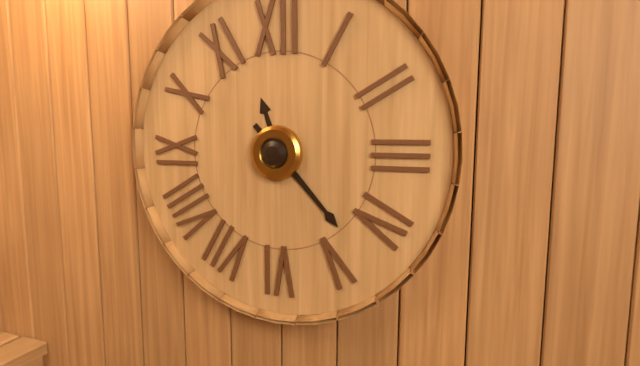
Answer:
{"hour": 11, "minute": 23}
